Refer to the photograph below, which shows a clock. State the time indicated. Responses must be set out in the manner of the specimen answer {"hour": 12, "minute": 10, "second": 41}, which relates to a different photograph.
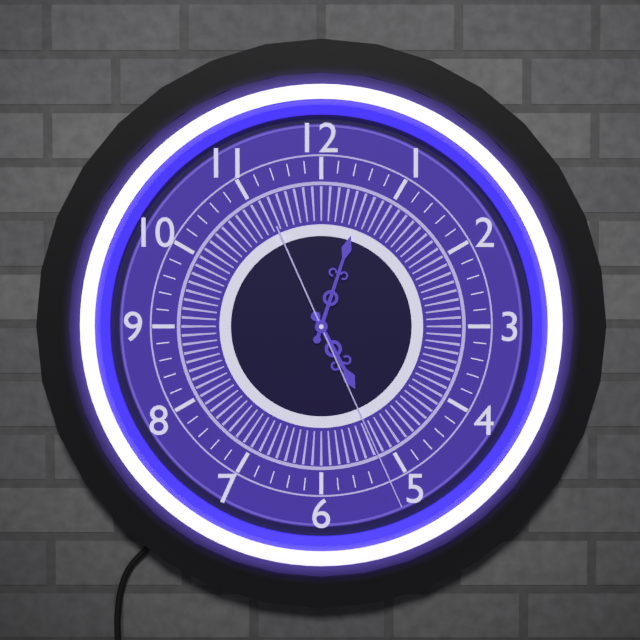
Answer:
{"hour": 5, "minute": 3, "second": 26}
